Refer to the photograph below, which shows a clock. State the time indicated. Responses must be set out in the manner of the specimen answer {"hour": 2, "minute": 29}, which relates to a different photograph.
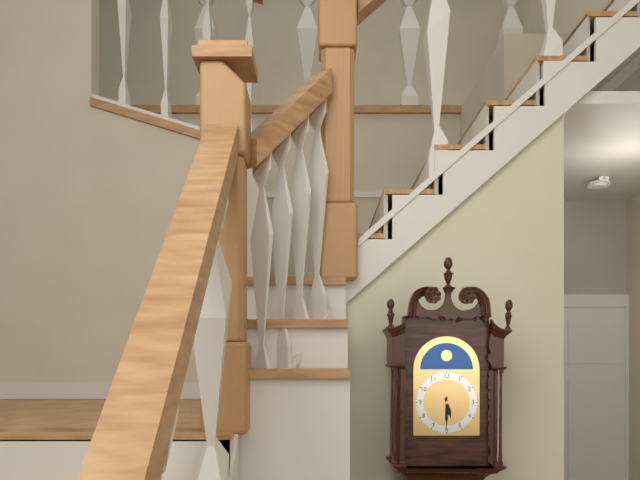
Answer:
{"hour": 5, "minute": 30}
